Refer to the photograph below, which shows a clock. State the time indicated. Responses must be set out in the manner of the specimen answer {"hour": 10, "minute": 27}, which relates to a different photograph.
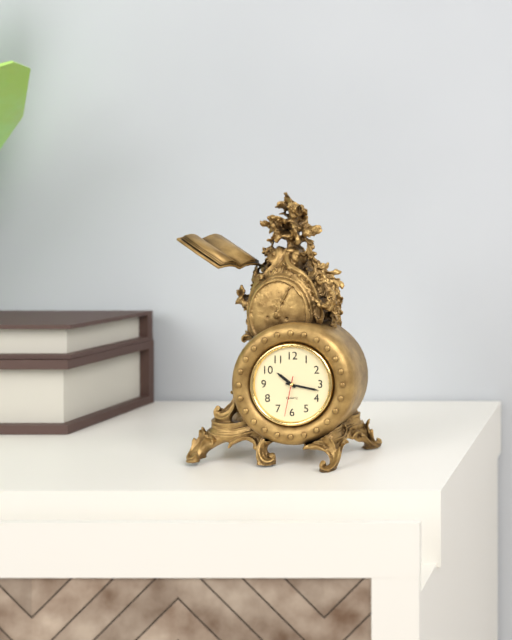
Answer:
{"hour": 10, "minute": 17}
